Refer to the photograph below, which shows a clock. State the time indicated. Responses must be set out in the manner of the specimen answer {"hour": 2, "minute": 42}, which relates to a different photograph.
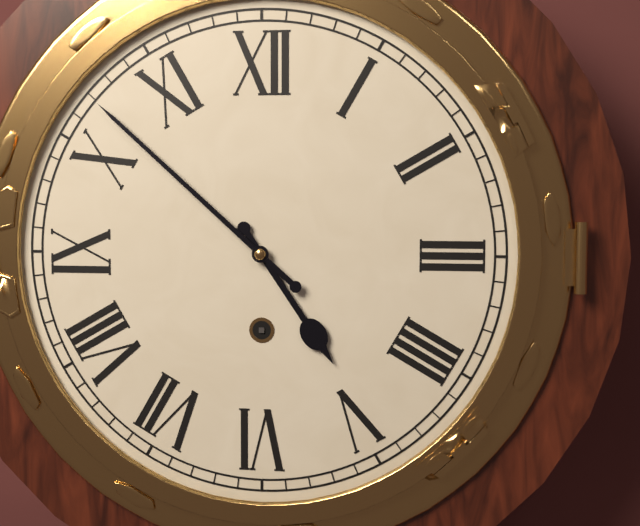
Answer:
{"hour": 4, "minute": 52}
